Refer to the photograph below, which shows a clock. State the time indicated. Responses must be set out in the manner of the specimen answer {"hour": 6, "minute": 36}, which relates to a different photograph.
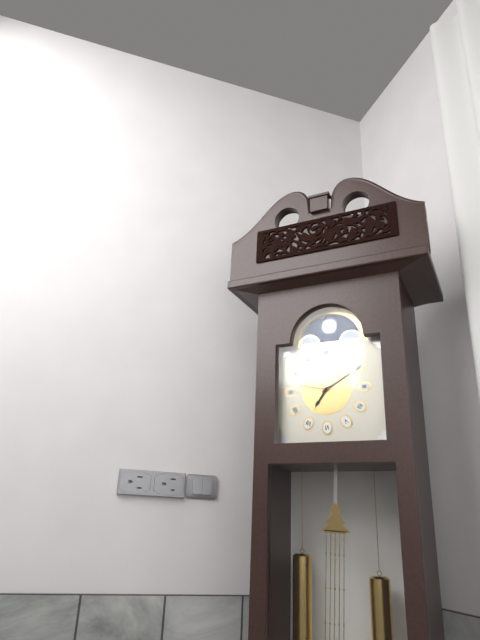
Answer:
{"hour": 7, "minute": 10}
